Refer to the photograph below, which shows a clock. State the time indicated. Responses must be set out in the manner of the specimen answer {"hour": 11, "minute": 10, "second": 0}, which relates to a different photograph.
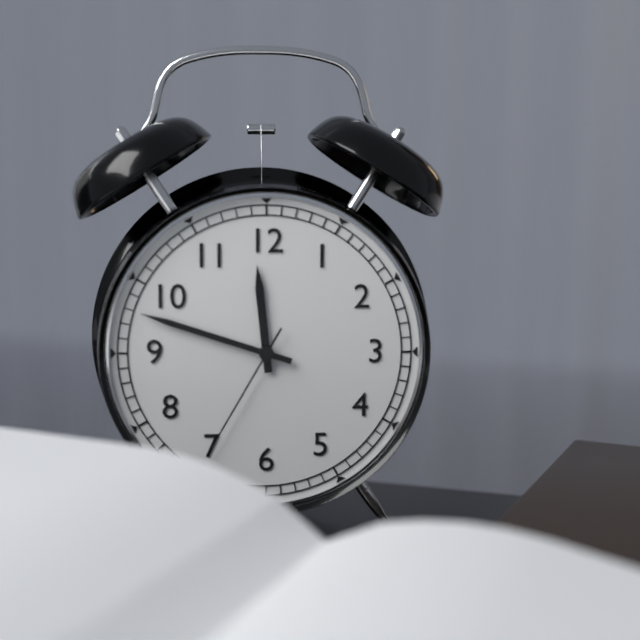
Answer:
{"hour": 11, "minute": 48, "second": 35}
